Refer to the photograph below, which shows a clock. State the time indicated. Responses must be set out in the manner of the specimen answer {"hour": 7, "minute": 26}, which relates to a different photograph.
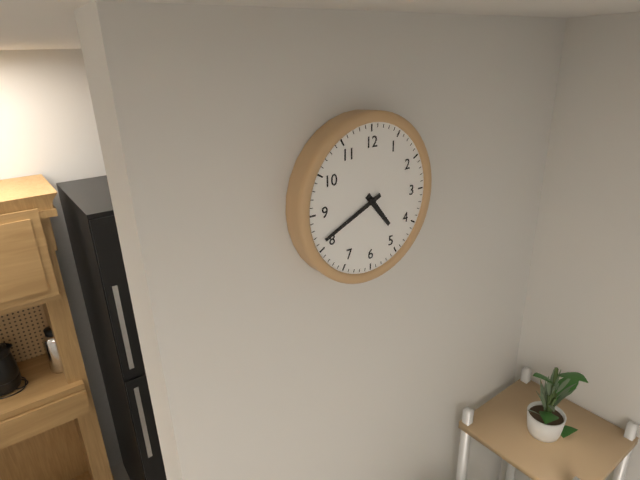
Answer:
{"hour": 4, "minute": 41}
